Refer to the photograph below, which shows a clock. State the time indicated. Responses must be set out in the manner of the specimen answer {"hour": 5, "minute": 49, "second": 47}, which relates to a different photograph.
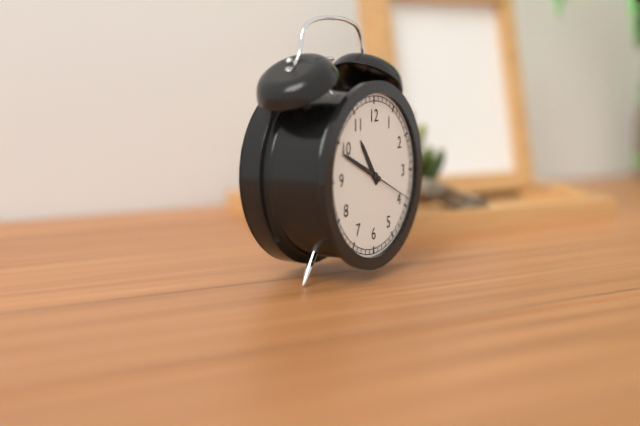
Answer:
{"hour": 10, "minute": 49, "second": 19}
